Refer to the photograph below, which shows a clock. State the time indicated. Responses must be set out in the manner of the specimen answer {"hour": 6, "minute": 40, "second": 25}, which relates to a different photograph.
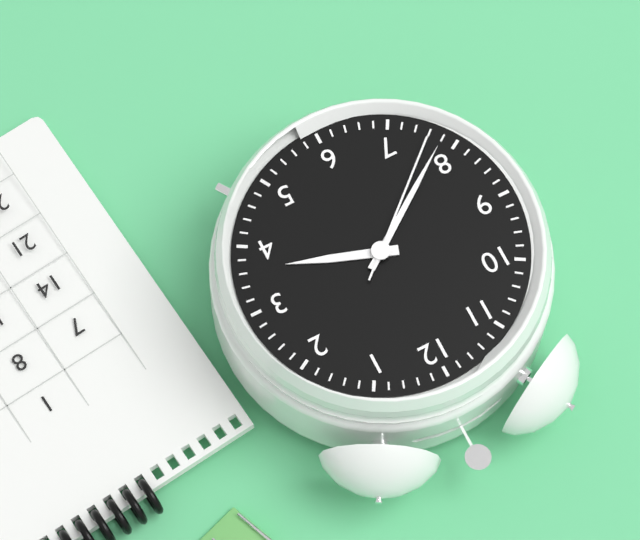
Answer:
{"hour": 3, "minute": 39, "second": 38}
